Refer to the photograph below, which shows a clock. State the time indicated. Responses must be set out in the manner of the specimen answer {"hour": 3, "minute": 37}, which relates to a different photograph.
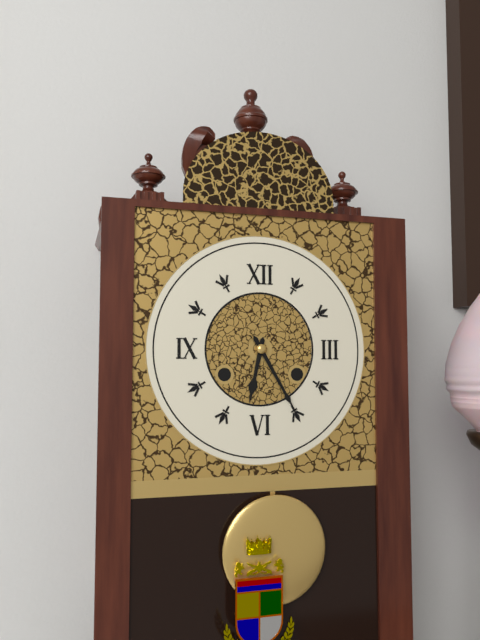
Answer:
{"hour": 6, "minute": 25}
